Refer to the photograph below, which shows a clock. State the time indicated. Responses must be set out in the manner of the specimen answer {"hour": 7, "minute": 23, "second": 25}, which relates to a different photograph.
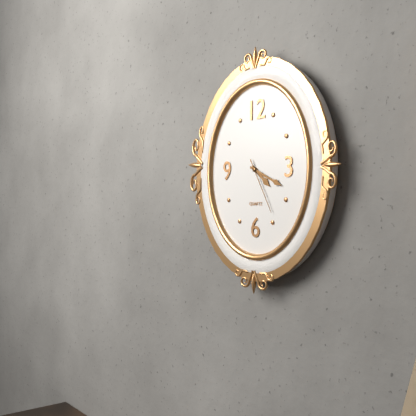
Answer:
{"hour": 4, "minute": 19, "second": 25}
